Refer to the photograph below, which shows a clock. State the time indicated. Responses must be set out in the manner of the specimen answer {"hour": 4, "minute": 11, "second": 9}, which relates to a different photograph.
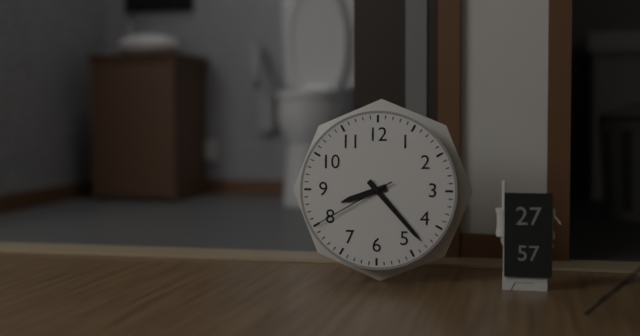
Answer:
{"hour": 8, "minute": 23, "second": 40}
